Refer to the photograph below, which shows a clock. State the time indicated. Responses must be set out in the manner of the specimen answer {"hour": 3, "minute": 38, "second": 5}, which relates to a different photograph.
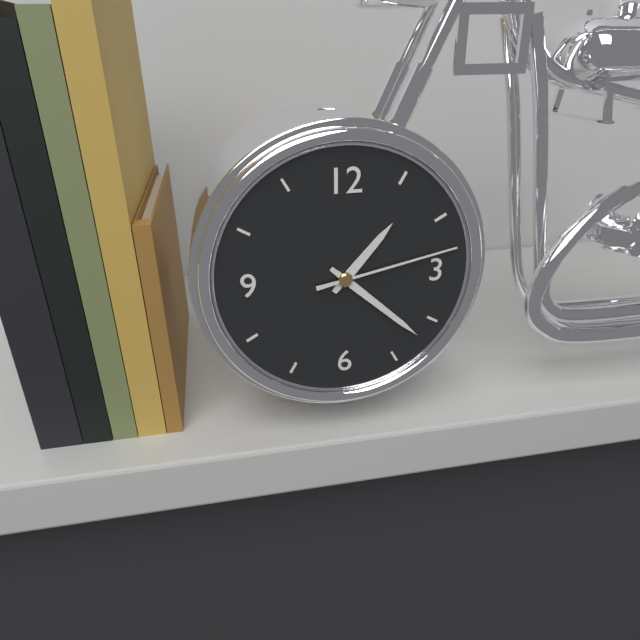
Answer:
{"hour": 1, "minute": 22, "second": 13}
